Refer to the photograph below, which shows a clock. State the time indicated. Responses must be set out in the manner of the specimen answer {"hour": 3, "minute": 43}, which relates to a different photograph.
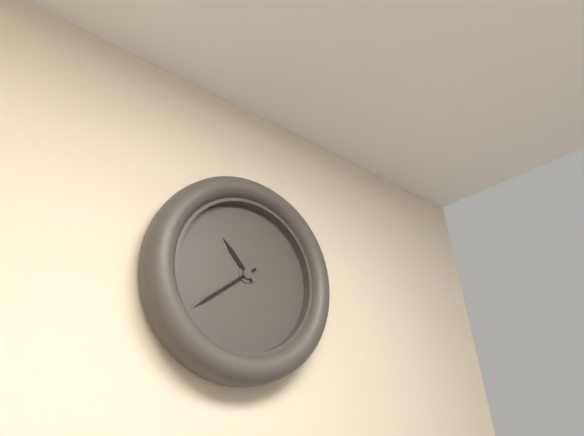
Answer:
{"hour": 10, "minute": 39}
